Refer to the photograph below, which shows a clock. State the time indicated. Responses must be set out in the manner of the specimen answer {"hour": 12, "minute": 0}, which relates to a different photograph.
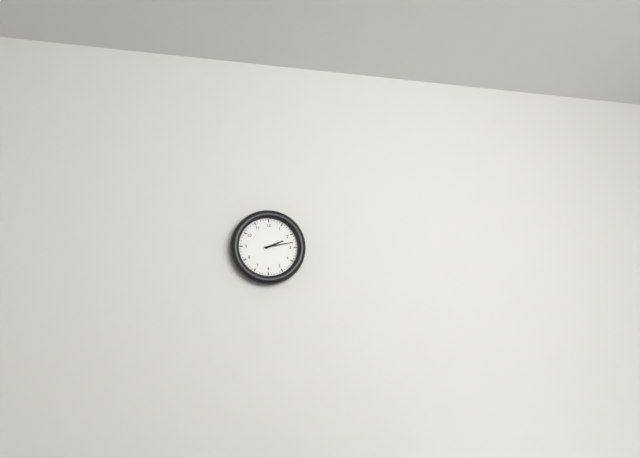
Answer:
{"hour": 2, "minute": 13}
